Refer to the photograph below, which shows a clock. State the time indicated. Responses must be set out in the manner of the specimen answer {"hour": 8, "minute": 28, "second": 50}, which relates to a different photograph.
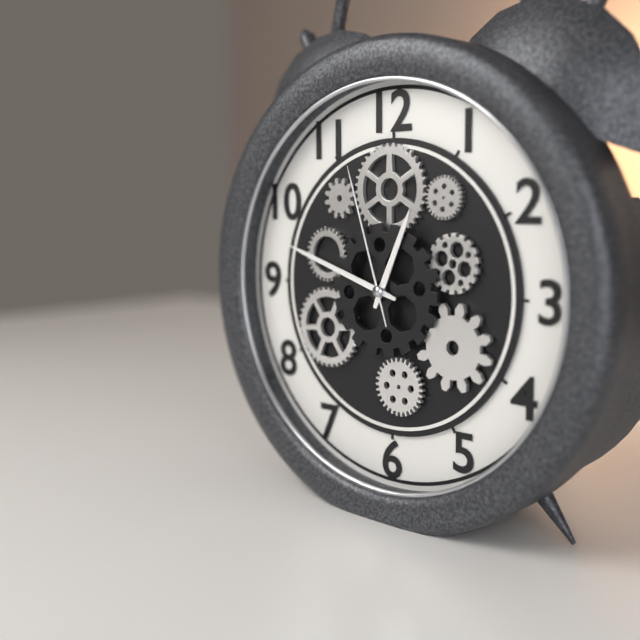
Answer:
{"hour": 12, "minute": 48, "second": 57}
